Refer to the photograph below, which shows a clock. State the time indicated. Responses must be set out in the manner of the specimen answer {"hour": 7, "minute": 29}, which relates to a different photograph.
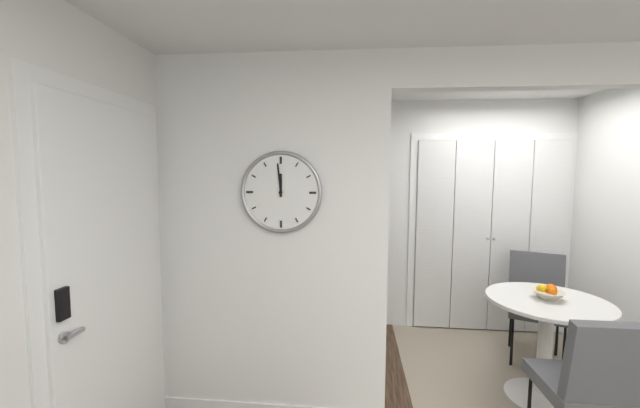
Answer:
{"hour": 11, "minute": 59}
